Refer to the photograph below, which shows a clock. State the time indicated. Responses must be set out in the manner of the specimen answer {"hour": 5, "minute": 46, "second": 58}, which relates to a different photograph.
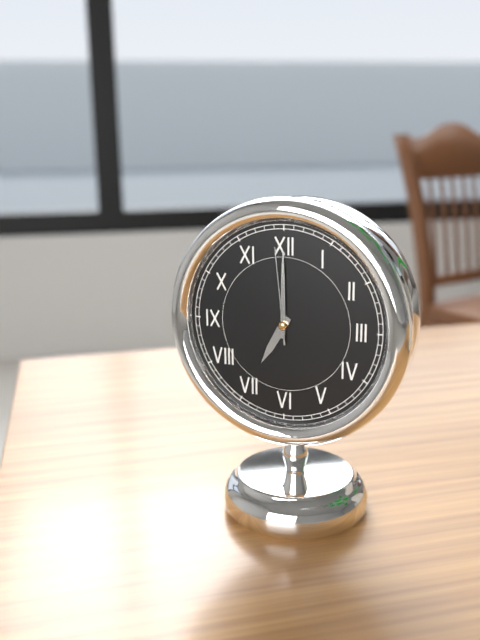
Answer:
{"hour": 7, "minute": 0, "second": 59}
